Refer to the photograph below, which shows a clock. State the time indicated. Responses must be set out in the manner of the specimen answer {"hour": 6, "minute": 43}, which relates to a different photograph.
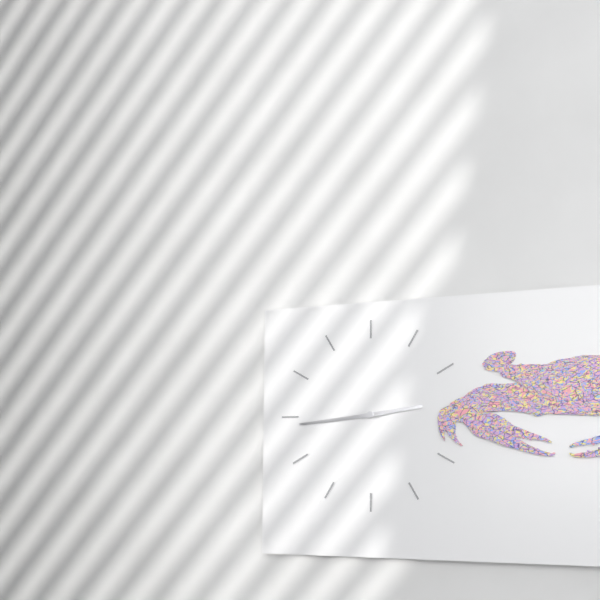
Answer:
{"hour": 2, "minute": 44}
